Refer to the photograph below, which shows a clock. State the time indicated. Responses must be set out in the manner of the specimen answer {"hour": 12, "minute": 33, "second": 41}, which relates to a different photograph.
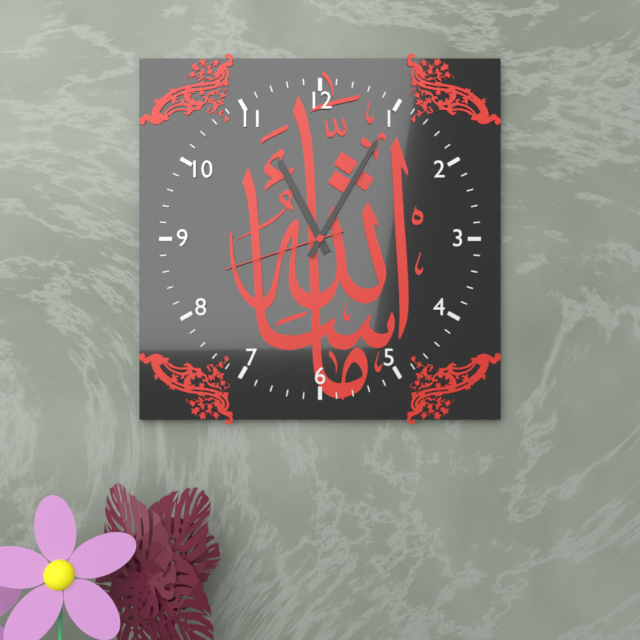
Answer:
{"hour": 11, "minute": 5, "second": 42}
